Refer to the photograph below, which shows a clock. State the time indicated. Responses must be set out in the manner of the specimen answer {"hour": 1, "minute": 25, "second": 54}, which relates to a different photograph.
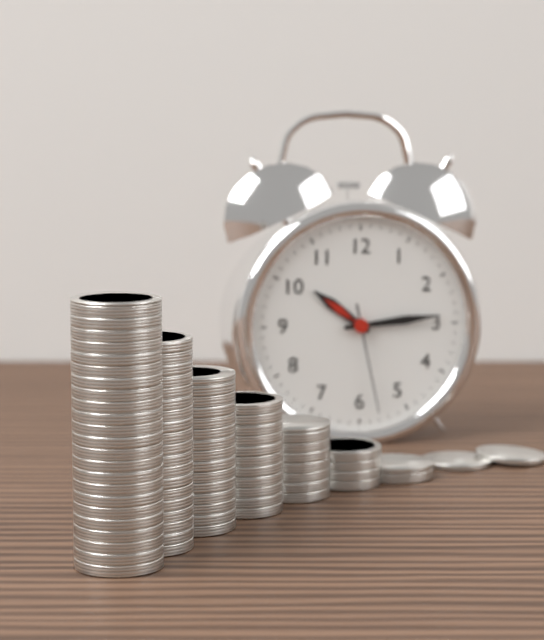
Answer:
{"hour": 10, "minute": 14, "second": 28}
